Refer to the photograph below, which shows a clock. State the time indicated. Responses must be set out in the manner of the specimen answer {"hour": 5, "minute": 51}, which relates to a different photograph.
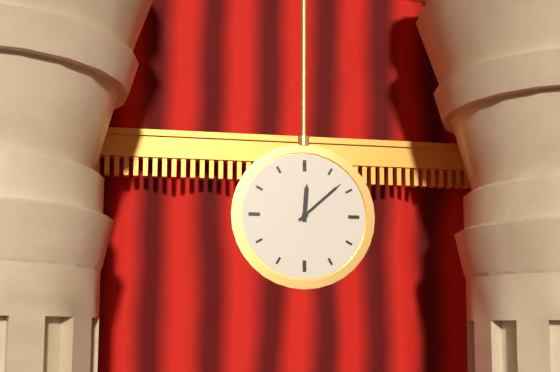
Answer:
{"hour": 12, "minute": 8}
